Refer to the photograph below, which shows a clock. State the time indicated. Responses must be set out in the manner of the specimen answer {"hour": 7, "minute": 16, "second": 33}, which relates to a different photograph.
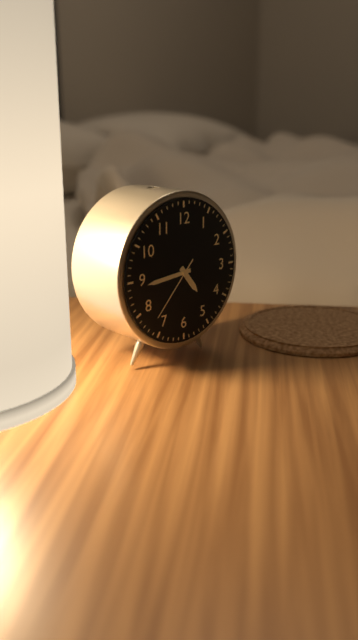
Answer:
{"hour": 4, "minute": 44, "second": 37}
